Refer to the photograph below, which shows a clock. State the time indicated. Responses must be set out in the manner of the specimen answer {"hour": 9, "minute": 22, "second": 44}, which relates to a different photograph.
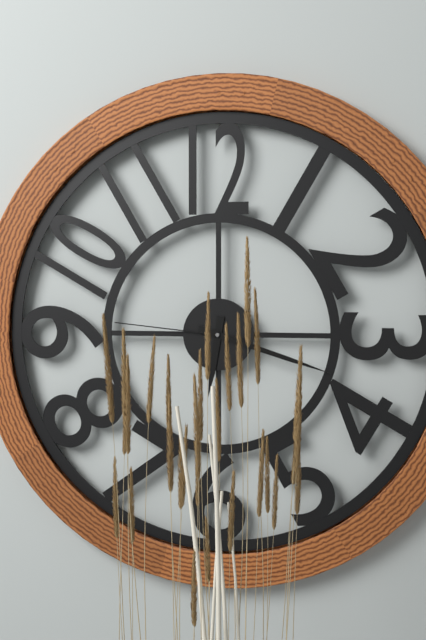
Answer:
{"hour": 6, "minute": 18, "second": 46}
